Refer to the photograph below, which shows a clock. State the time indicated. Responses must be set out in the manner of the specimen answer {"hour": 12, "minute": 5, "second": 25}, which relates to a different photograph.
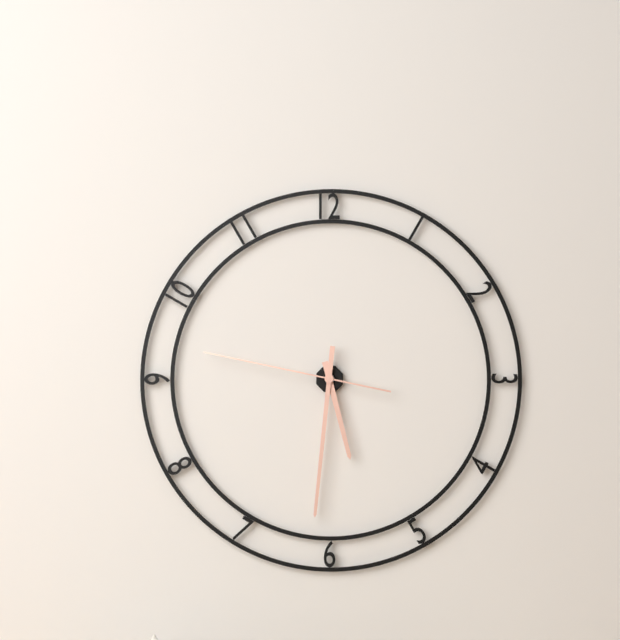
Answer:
{"hour": 5, "minute": 31, "second": 47}
